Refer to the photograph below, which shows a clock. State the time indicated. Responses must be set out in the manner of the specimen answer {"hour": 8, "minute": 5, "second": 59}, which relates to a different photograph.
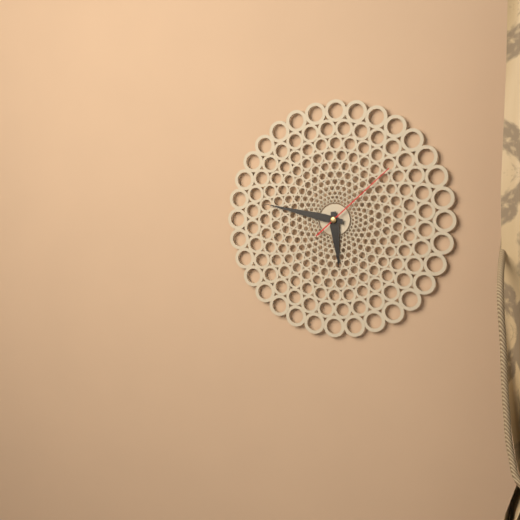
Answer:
{"hour": 5, "minute": 47, "second": 8}
